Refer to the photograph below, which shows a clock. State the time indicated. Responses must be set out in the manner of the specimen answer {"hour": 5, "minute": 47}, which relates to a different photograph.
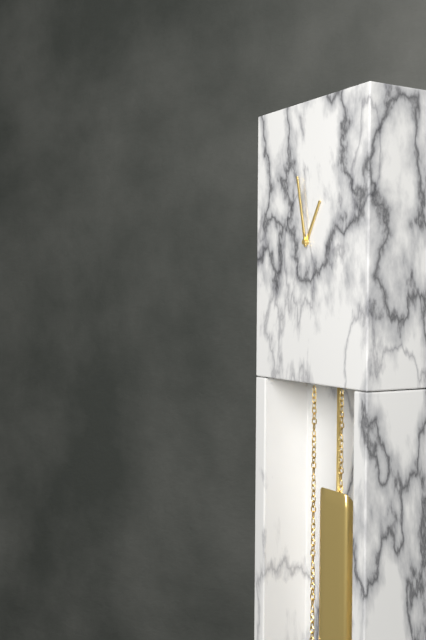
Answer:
{"hour": 12, "minute": 58}
